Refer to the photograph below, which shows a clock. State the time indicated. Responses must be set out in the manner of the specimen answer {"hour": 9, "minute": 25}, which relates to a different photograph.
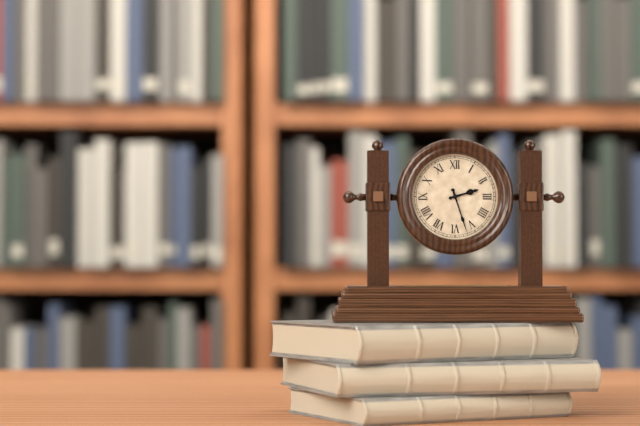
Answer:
{"hour": 2, "minute": 27}
